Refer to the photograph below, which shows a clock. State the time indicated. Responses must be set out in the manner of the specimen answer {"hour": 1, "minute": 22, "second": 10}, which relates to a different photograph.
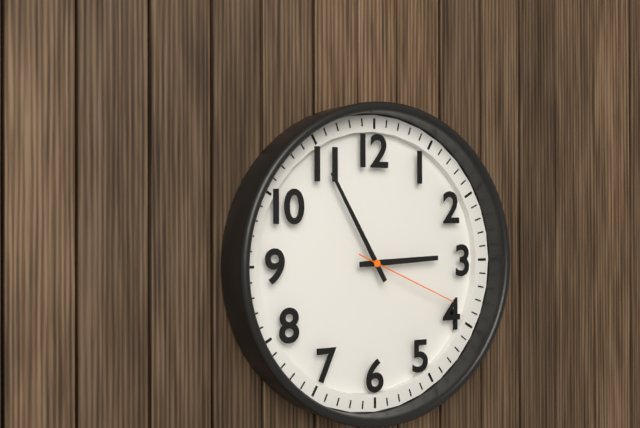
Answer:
{"hour": 2, "minute": 55, "second": 19}
